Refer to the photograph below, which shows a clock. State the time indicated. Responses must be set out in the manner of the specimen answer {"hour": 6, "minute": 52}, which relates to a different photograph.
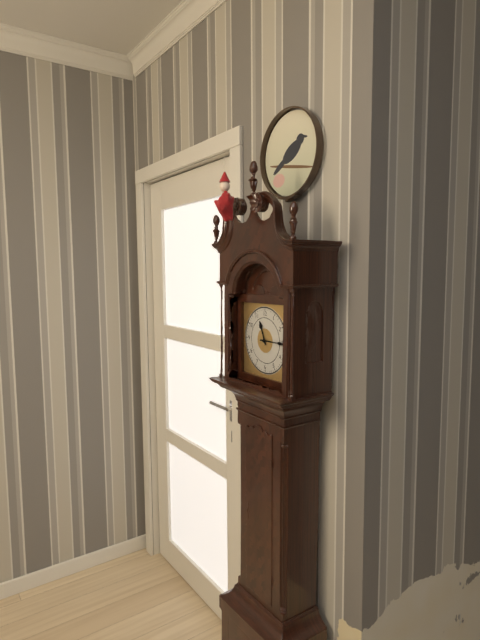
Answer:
{"hour": 11, "minute": 15}
